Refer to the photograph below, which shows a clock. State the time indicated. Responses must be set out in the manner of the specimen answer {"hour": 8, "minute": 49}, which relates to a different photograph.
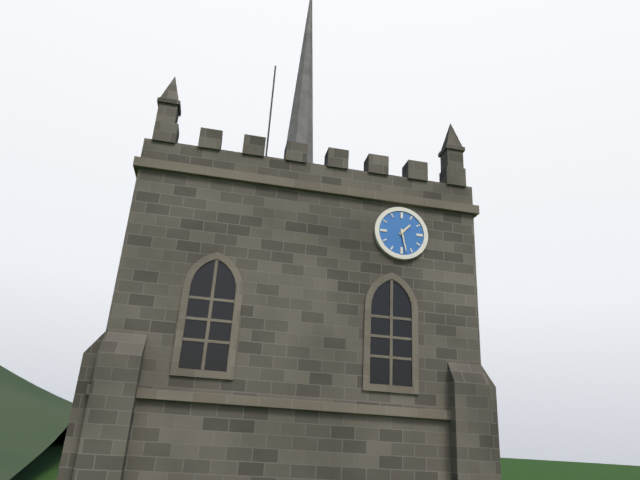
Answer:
{"hour": 1, "minute": 28}
